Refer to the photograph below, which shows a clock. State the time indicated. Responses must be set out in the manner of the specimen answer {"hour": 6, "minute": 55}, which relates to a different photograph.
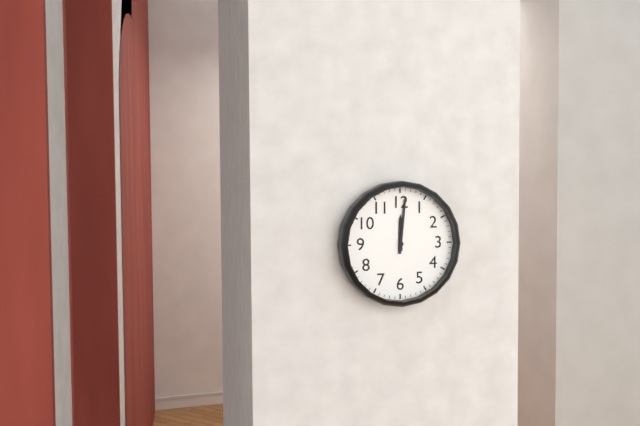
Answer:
{"hour": 12, "minute": 1}
